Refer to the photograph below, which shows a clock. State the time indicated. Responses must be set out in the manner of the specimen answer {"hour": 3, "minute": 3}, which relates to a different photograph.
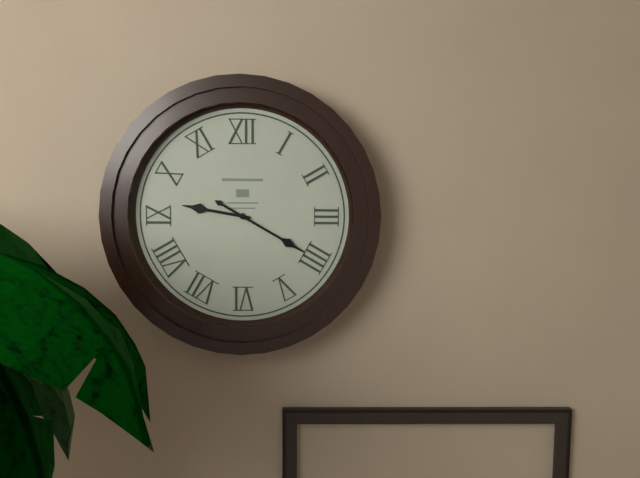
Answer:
{"hour": 9, "minute": 20}
